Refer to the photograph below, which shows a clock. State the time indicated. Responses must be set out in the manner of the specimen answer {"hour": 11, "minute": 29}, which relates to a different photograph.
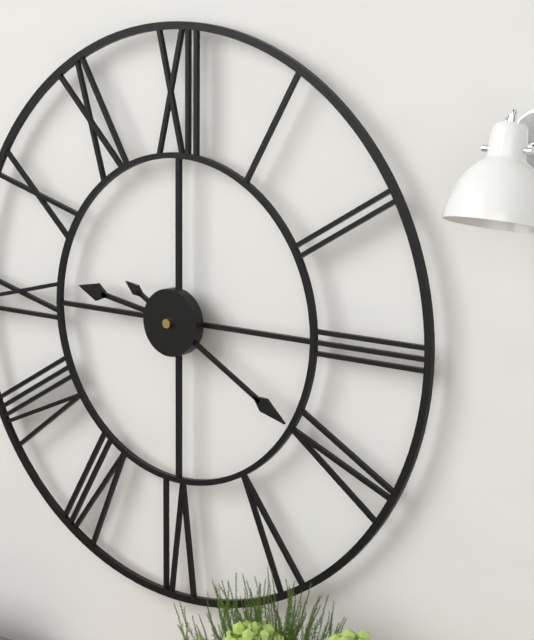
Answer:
{"hour": 9, "minute": 20}
